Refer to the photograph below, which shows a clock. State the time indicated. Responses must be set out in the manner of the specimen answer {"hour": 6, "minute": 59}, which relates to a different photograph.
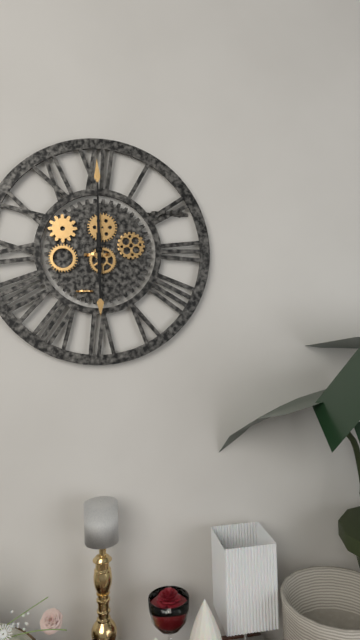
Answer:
{"hour": 6, "minute": 0}
